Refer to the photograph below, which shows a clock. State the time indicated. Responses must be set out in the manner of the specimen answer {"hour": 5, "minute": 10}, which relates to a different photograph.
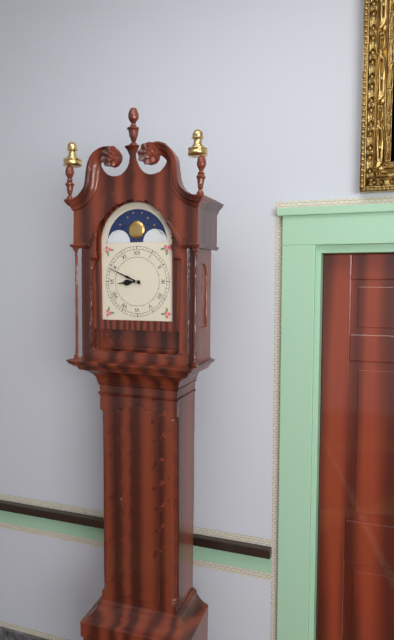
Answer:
{"hour": 8, "minute": 49}
